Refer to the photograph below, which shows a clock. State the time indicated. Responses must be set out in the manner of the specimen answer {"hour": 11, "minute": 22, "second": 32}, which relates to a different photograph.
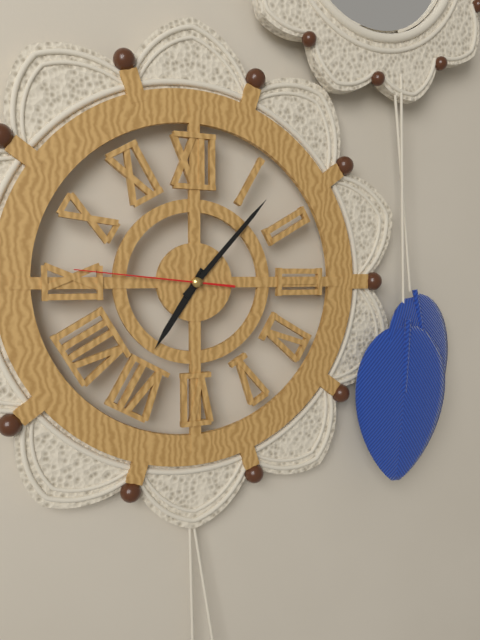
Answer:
{"hour": 7, "minute": 7, "second": 46}
